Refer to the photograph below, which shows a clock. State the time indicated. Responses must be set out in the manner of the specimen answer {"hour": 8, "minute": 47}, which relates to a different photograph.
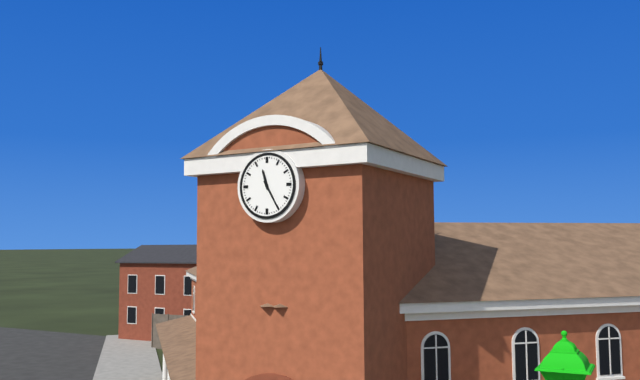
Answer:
{"hour": 11, "minute": 25}
